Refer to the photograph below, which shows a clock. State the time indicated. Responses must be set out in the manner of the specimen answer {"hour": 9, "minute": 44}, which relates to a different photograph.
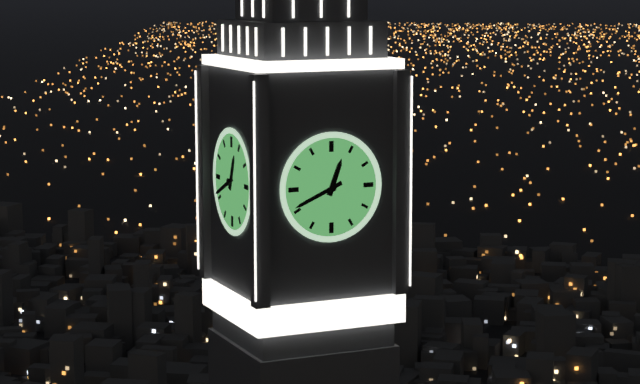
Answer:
{"hour": 12, "minute": 41}
